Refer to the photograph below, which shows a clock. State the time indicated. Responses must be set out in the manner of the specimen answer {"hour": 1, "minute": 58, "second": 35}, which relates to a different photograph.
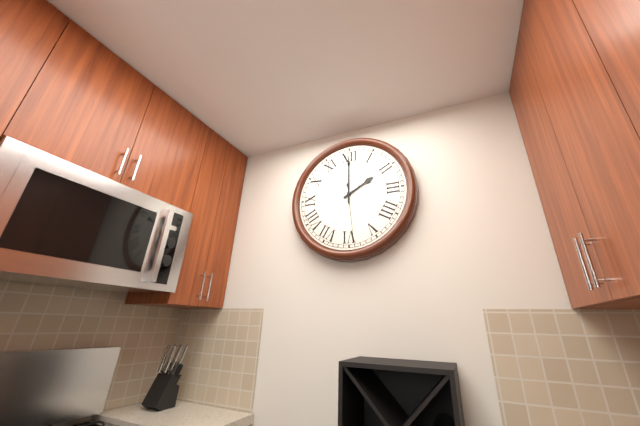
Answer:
{"hour": 2, "minute": 0, "second": 29}
